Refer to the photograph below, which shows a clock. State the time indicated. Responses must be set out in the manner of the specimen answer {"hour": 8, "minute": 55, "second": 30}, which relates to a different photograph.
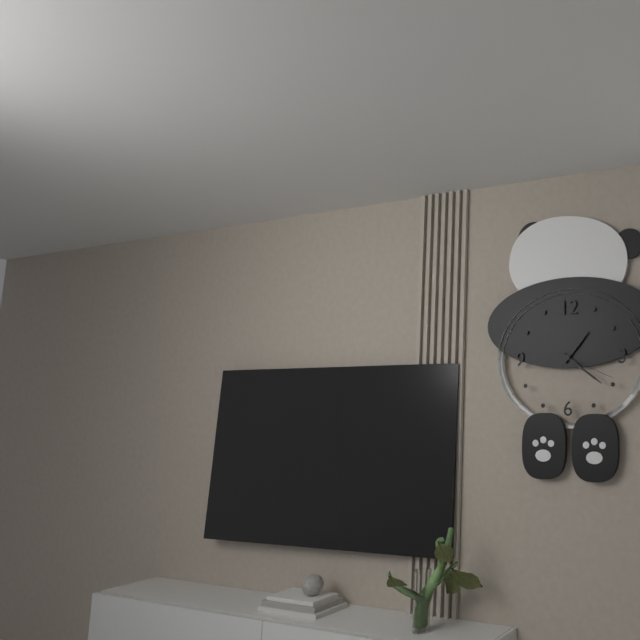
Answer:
{"hour": 1, "minute": 21, "second": 19}
